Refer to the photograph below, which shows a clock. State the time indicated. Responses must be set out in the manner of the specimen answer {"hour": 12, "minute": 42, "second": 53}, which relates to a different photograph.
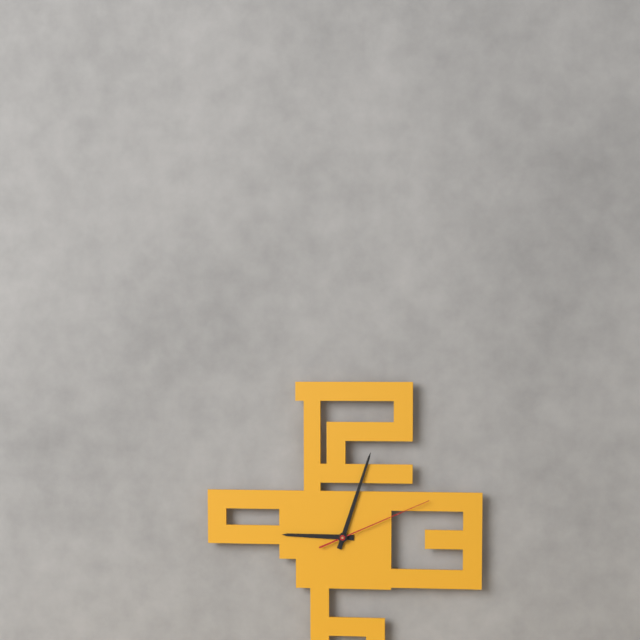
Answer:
{"hour": 9, "minute": 3, "second": 11}
